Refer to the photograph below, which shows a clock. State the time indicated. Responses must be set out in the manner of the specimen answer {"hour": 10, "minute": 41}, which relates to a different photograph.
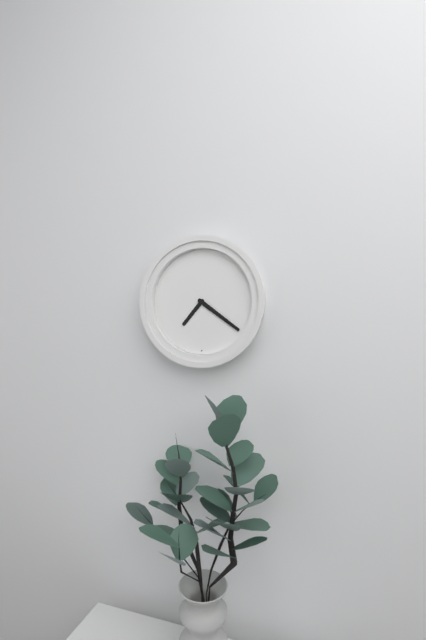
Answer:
{"hour": 7, "minute": 21}
